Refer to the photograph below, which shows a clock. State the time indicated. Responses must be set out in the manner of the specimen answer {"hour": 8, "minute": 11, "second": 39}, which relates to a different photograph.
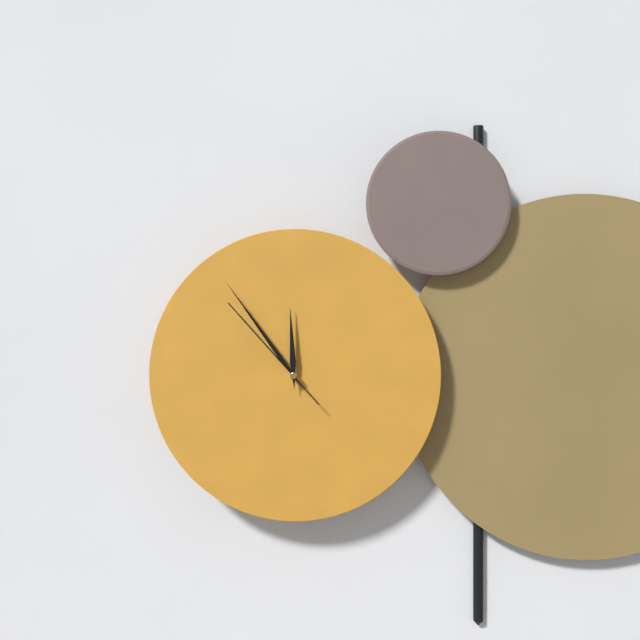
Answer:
{"hour": 11, "minute": 54, "second": 53}
